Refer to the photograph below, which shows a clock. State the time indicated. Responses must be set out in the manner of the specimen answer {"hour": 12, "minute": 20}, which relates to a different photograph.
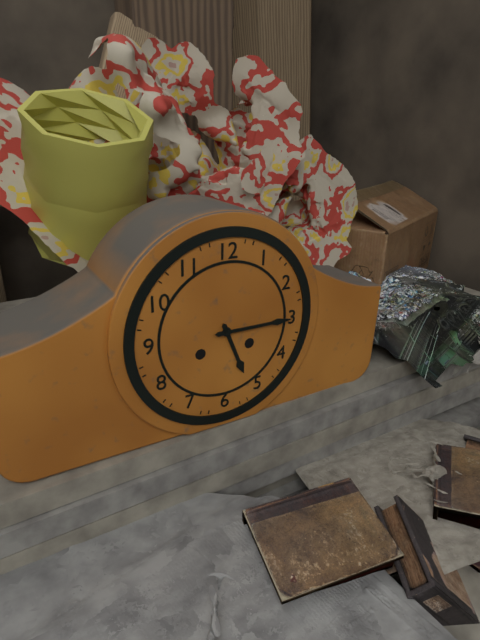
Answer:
{"hour": 5, "minute": 15}
